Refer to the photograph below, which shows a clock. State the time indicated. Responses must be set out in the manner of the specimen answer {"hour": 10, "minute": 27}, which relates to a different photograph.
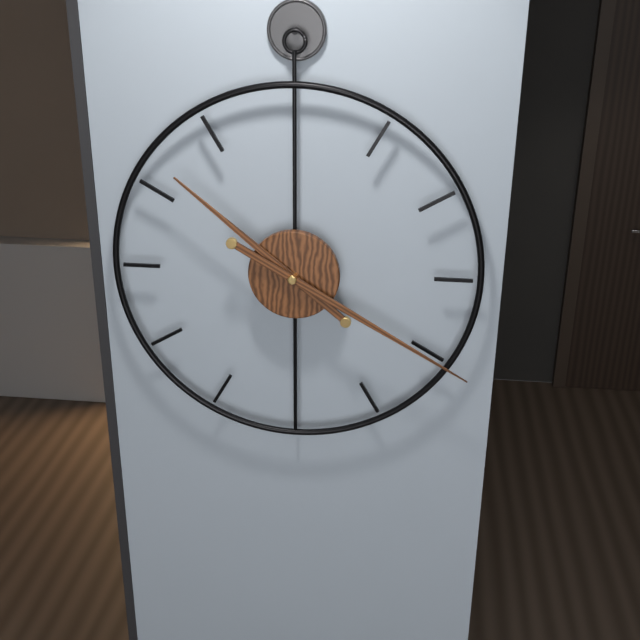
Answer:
{"hour": 10, "minute": 20}
